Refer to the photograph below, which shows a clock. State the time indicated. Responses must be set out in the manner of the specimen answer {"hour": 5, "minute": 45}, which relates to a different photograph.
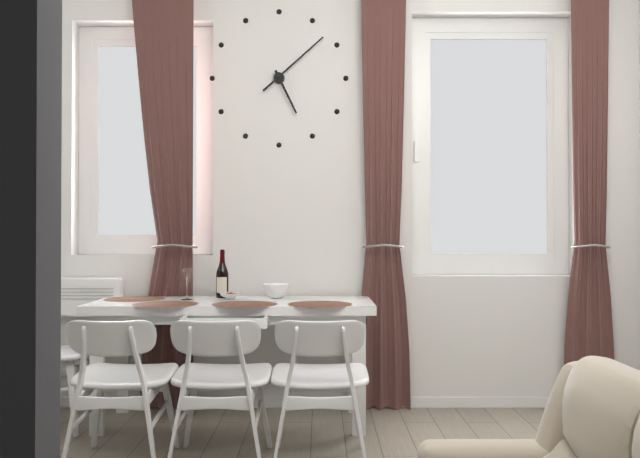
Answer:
{"hour": 5, "minute": 8}
